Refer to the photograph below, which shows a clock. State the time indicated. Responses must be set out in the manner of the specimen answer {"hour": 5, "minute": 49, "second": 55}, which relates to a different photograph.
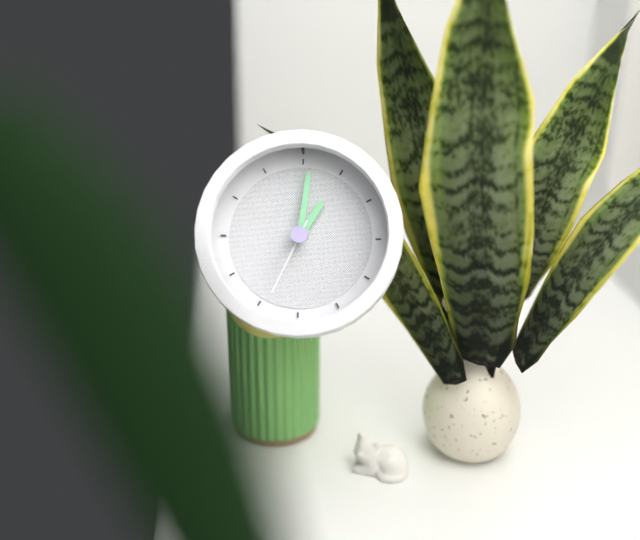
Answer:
{"hour": 1, "minute": 1, "second": 34}
